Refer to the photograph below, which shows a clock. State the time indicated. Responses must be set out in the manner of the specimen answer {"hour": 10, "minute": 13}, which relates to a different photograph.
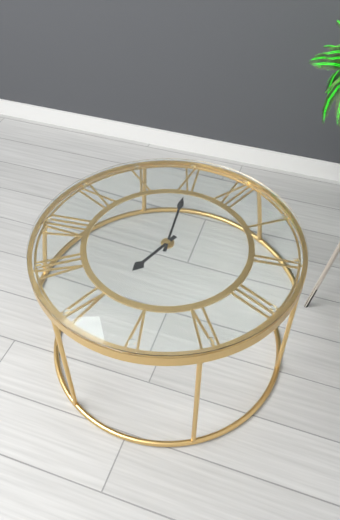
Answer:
{"hour": 5, "minute": 55}
